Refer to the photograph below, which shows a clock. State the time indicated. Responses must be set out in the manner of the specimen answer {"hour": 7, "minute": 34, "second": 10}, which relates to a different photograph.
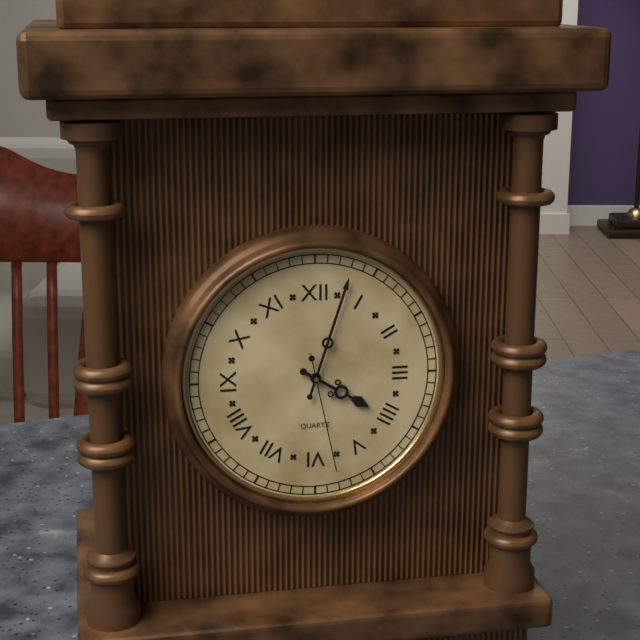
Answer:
{"hour": 4, "minute": 3, "second": 28}
